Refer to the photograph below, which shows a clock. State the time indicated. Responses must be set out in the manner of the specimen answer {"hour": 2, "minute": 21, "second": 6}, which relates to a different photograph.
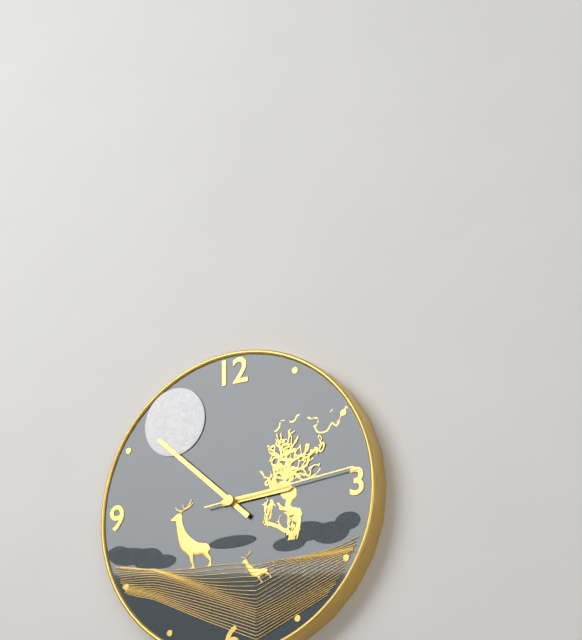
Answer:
{"hour": 2, "minute": 52, "second": 14}
